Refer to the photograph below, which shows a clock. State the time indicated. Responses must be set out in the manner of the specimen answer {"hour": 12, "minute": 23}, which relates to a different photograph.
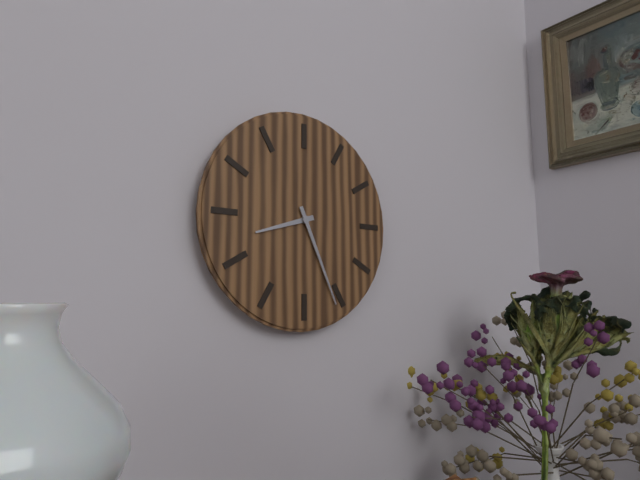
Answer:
{"hour": 8, "minute": 26}
